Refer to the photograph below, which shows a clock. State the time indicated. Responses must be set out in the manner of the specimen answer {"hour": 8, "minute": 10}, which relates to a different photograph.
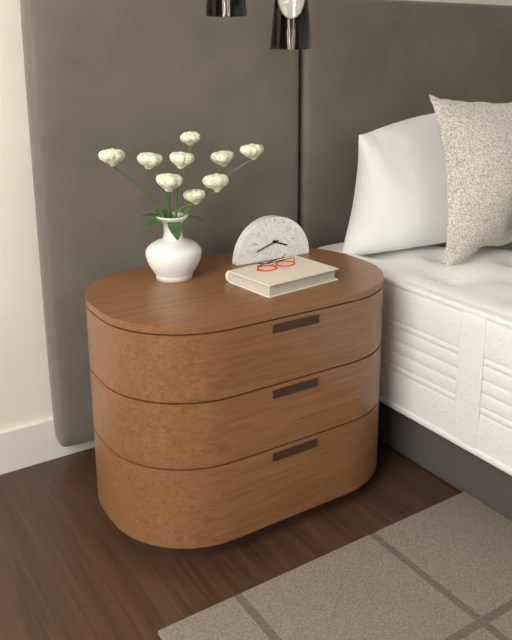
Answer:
{"hour": 3, "minute": 42}
